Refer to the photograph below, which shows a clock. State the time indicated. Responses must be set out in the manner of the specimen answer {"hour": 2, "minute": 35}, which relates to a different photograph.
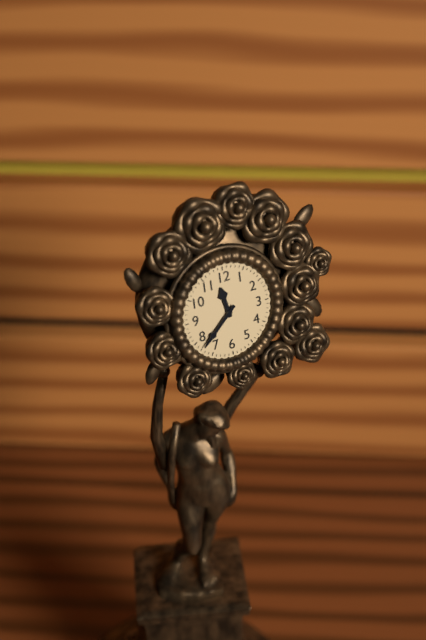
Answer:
{"hour": 11, "minute": 38}
